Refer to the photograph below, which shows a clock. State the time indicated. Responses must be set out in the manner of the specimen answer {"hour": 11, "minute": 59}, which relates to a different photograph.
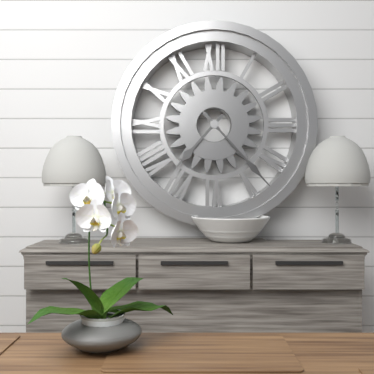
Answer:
{"hour": 7, "minute": 23}
